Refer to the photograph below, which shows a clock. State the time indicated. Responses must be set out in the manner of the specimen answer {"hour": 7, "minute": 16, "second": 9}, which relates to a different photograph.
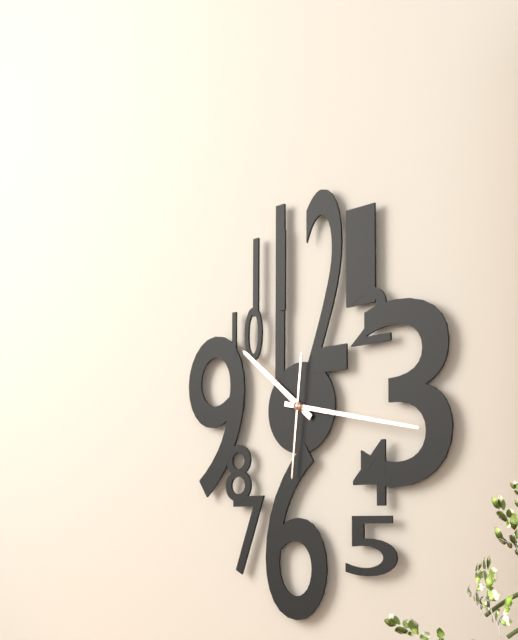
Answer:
{"hour": 10, "minute": 17, "second": 31}
